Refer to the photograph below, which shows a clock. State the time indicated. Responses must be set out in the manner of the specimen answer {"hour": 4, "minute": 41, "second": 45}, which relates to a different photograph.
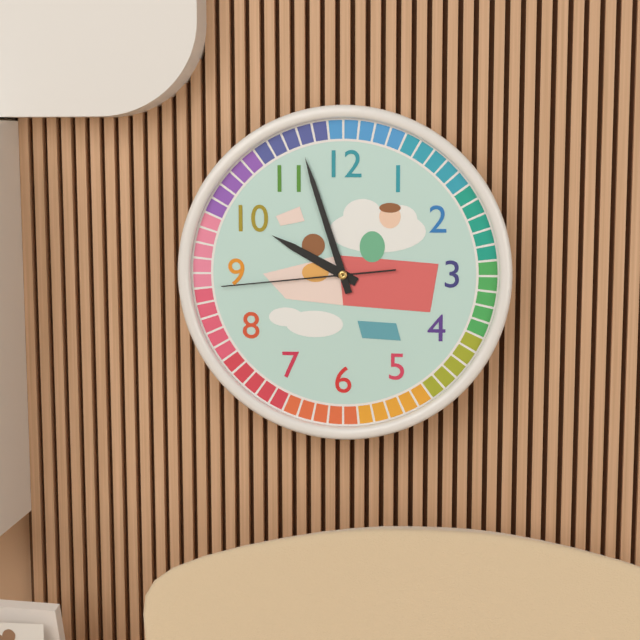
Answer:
{"hour": 9, "minute": 57, "second": 44}
